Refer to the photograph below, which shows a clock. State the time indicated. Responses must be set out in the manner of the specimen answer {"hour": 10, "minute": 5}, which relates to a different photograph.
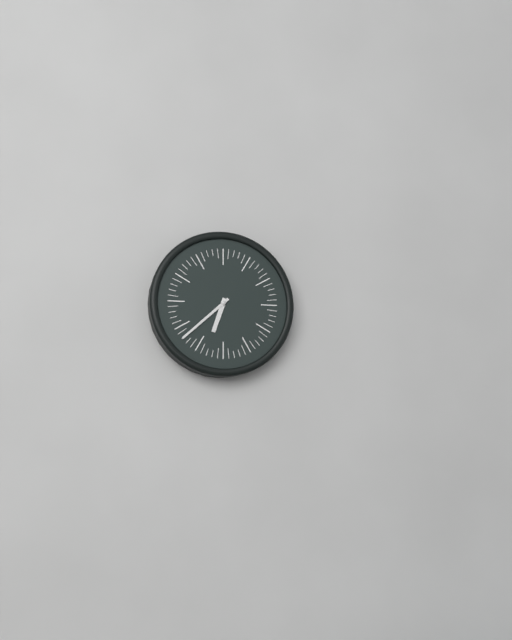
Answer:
{"hour": 6, "minute": 38}
